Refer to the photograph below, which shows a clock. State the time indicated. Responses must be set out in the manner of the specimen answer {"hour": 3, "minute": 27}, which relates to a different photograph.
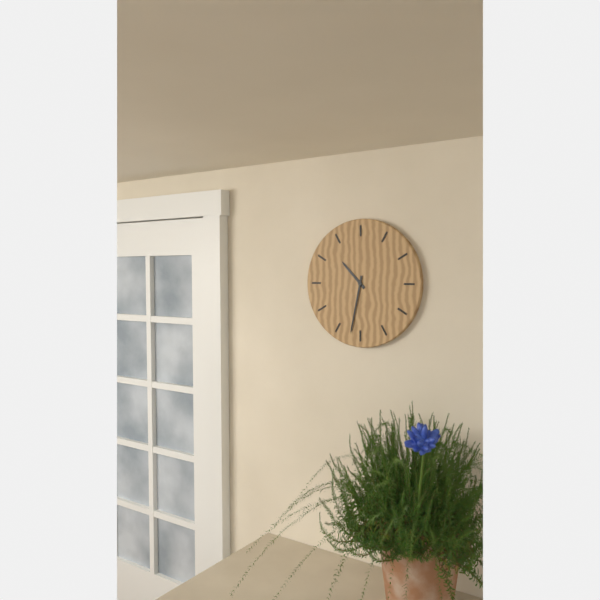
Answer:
{"hour": 10, "minute": 32}
